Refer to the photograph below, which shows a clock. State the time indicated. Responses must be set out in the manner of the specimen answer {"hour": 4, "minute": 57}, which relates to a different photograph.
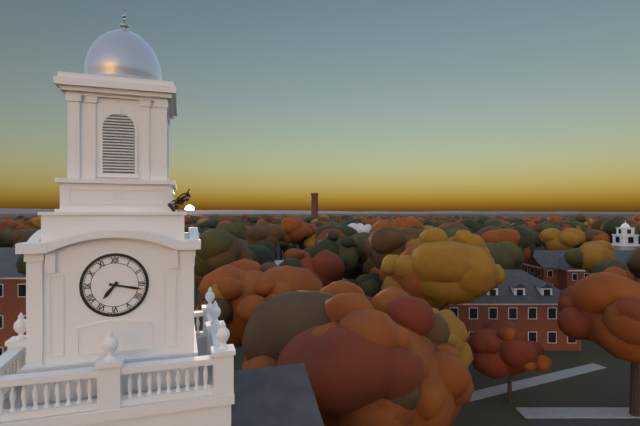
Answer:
{"hour": 7, "minute": 17}
